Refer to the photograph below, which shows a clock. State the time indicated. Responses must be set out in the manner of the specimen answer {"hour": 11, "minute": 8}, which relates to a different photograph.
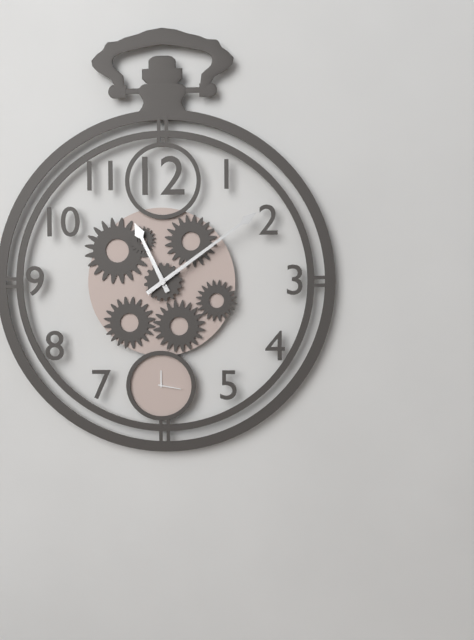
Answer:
{"hour": 11, "minute": 9}
